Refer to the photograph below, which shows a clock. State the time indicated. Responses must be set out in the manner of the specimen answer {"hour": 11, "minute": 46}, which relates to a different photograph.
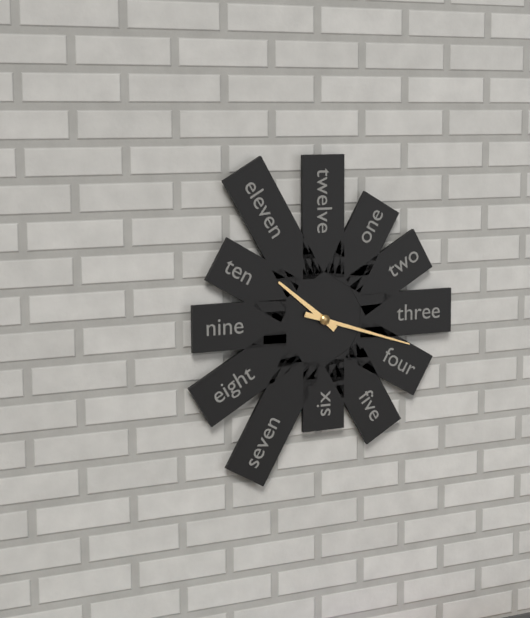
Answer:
{"hour": 10, "minute": 18}
